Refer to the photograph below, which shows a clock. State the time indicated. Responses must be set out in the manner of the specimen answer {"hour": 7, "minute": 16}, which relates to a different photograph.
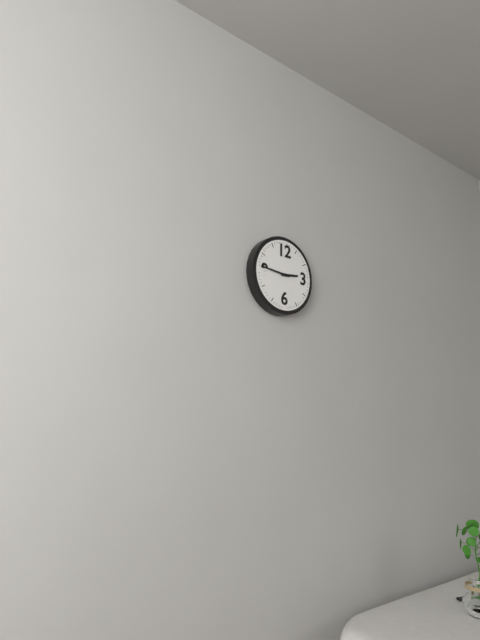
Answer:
{"hour": 2, "minute": 46}
